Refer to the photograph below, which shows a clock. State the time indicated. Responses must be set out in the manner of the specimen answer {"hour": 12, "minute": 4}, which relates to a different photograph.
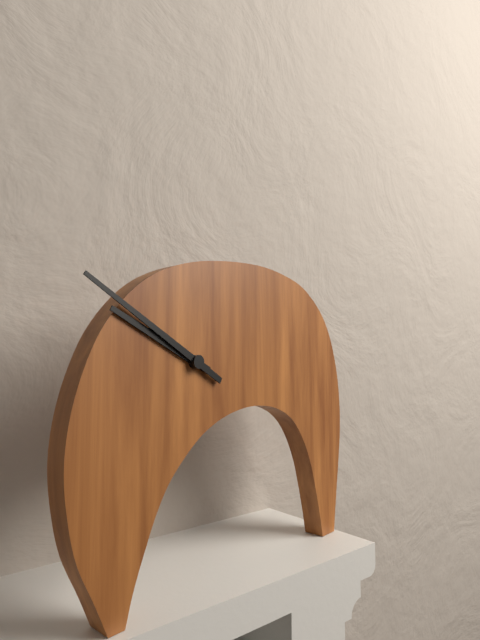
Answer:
{"hour": 9, "minute": 50}
